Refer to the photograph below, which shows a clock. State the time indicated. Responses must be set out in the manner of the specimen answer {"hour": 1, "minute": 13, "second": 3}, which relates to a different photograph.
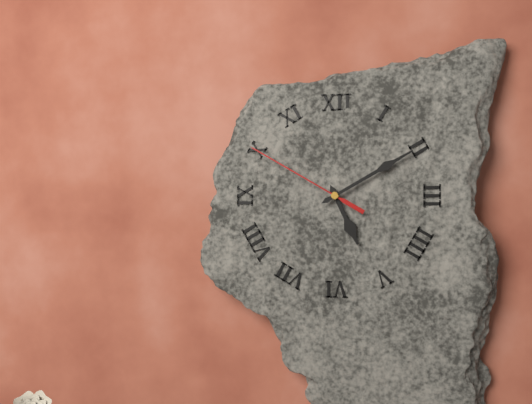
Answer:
{"hour": 5, "minute": 10, "second": 50}
